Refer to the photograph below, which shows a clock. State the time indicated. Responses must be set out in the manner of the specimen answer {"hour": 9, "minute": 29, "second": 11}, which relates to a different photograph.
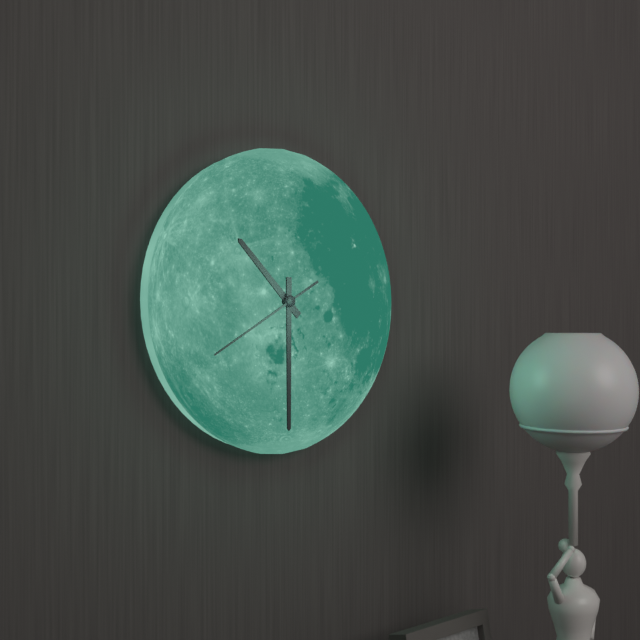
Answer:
{"hour": 10, "minute": 30, "second": 40}
